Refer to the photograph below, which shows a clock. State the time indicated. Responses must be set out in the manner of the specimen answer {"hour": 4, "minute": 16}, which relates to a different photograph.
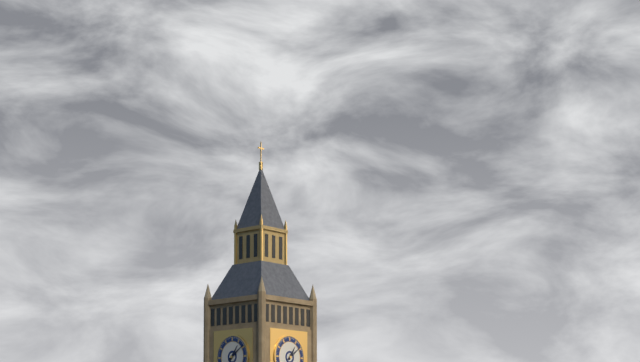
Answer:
{"hour": 1, "minute": 9}
